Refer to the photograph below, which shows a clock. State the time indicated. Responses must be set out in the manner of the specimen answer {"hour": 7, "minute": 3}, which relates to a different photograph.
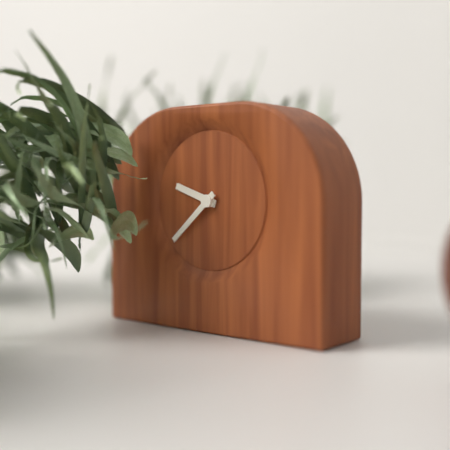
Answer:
{"hour": 9, "minute": 38}
